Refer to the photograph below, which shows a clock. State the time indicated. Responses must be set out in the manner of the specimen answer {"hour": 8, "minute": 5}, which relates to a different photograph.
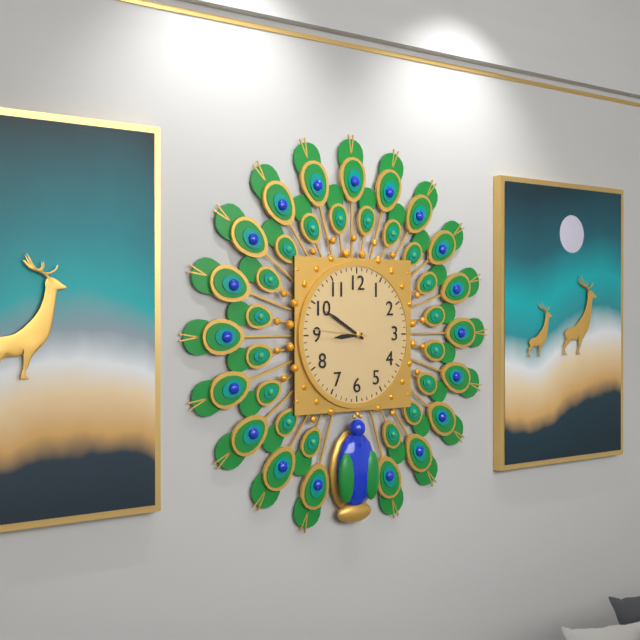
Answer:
{"hour": 8, "minute": 50}
